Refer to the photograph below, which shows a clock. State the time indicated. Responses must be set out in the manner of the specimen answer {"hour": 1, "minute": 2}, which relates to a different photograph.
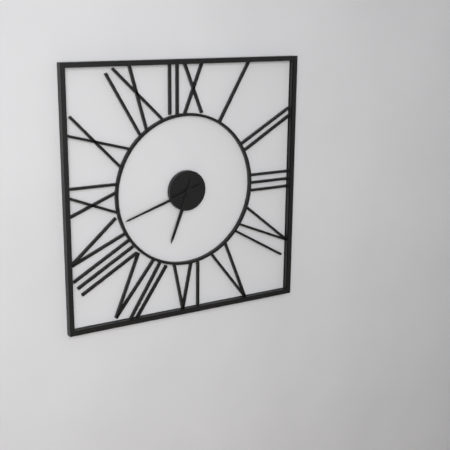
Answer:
{"hour": 6, "minute": 42}
